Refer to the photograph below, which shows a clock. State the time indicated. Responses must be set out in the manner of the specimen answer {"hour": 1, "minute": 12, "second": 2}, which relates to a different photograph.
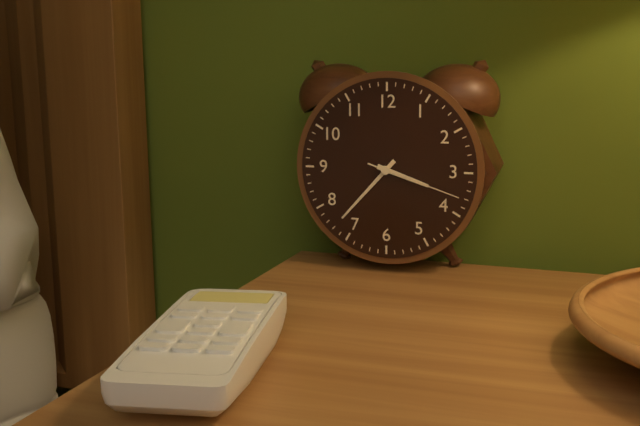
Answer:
{"hour": 3, "minute": 37, "second": 18}
